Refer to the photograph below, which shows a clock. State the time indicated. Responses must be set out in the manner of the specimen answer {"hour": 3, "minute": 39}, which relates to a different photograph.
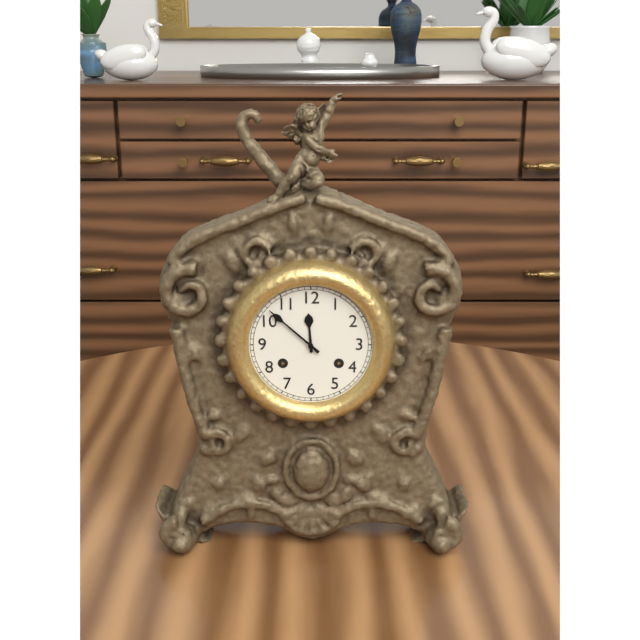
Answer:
{"hour": 11, "minute": 52}
